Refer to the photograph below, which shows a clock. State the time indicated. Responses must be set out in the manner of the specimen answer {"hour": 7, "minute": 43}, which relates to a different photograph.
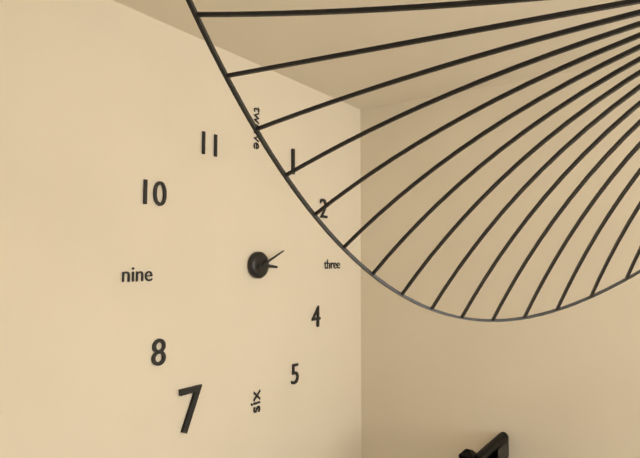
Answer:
{"hour": 3, "minute": 11}
